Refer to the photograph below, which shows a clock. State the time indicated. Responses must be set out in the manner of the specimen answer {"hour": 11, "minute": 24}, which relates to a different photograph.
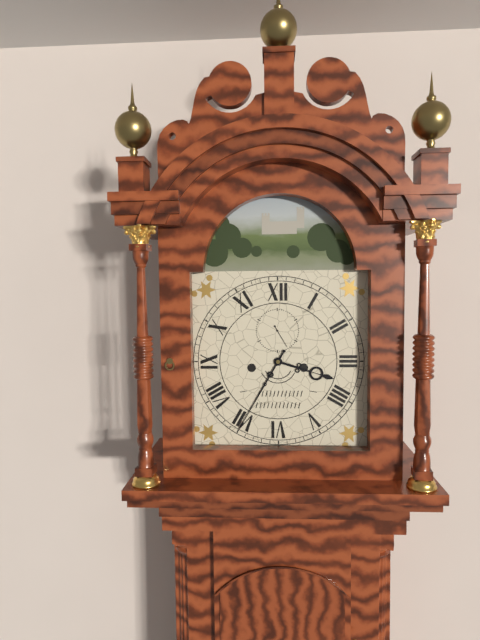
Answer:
{"hour": 3, "minute": 35}
